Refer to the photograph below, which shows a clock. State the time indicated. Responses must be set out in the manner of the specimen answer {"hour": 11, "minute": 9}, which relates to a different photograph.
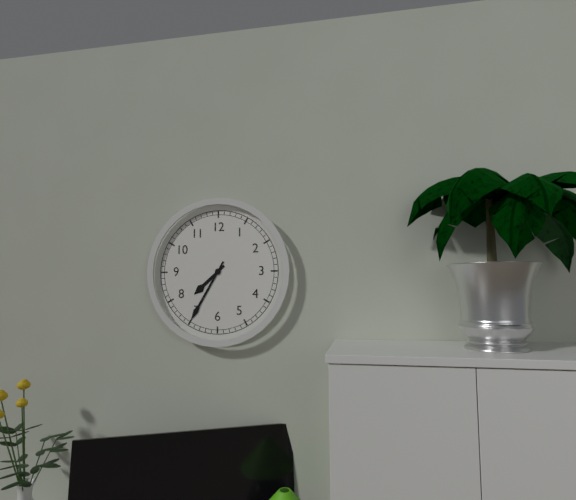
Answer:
{"hour": 7, "minute": 35}
